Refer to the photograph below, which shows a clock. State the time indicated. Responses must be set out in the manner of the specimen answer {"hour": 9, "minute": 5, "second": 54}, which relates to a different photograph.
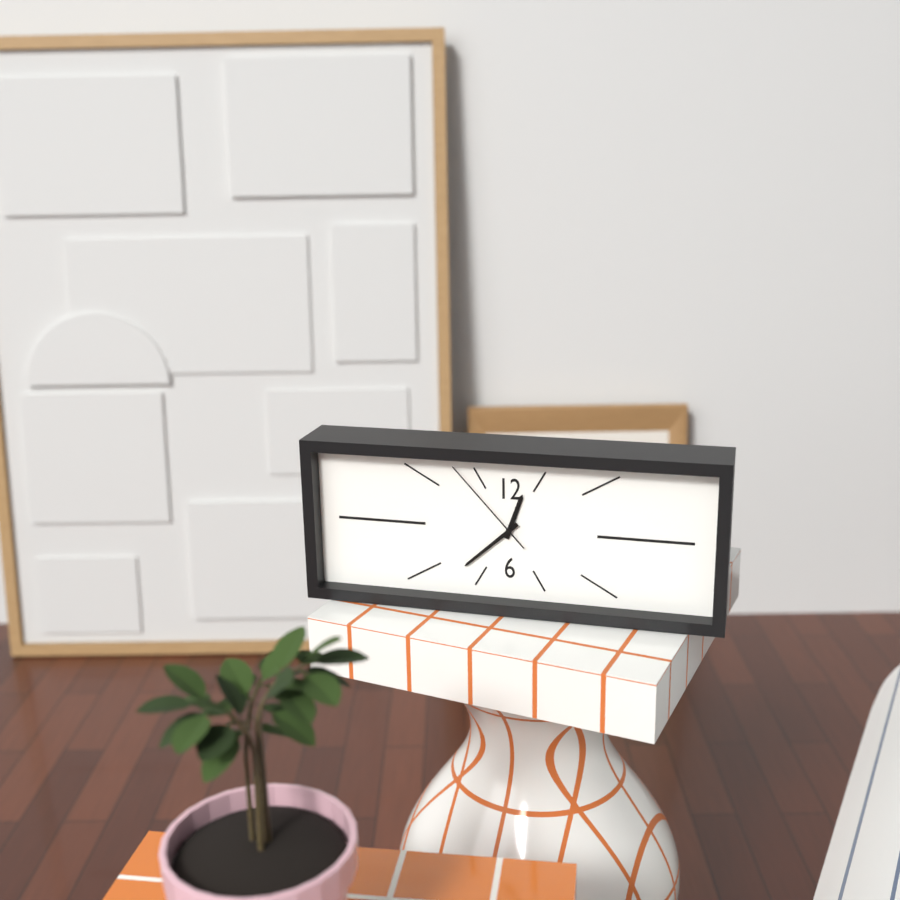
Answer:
{"hour": 12, "minute": 38, "second": 53}
